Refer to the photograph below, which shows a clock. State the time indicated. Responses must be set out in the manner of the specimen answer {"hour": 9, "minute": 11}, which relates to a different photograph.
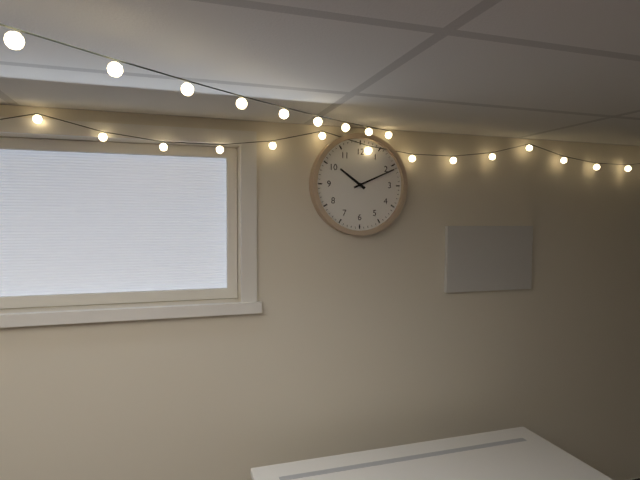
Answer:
{"hour": 10, "minute": 11}
